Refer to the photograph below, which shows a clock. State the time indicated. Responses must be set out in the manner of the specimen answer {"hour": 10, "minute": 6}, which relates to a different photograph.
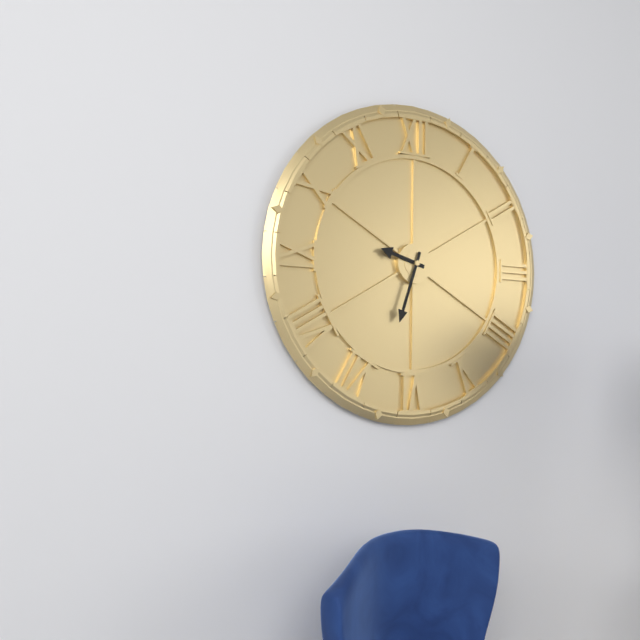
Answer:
{"hour": 9, "minute": 33}
